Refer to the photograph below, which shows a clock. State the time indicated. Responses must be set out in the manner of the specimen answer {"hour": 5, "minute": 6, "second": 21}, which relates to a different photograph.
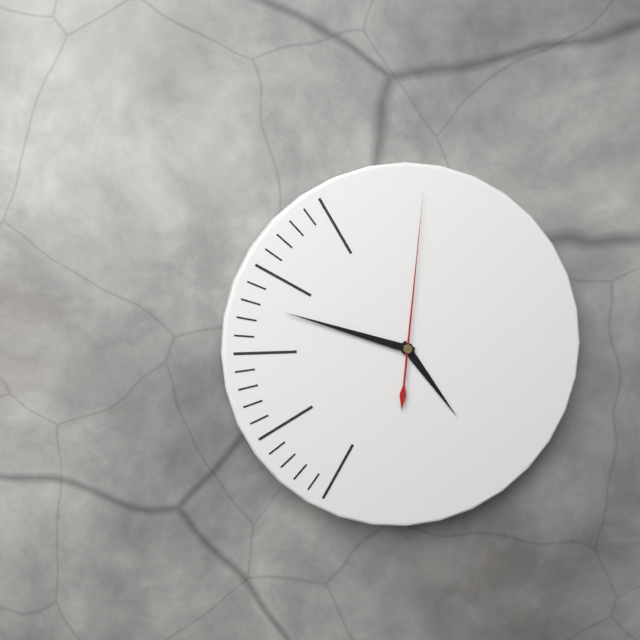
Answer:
{"hour": 4, "minute": 48, "second": 1}
